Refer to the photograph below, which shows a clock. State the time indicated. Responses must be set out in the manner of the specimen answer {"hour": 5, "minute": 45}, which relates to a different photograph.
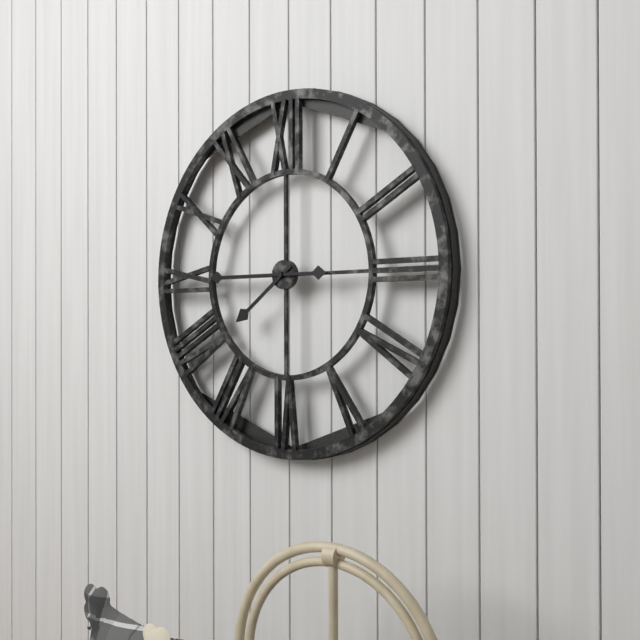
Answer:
{"hour": 7, "minute": 45}
